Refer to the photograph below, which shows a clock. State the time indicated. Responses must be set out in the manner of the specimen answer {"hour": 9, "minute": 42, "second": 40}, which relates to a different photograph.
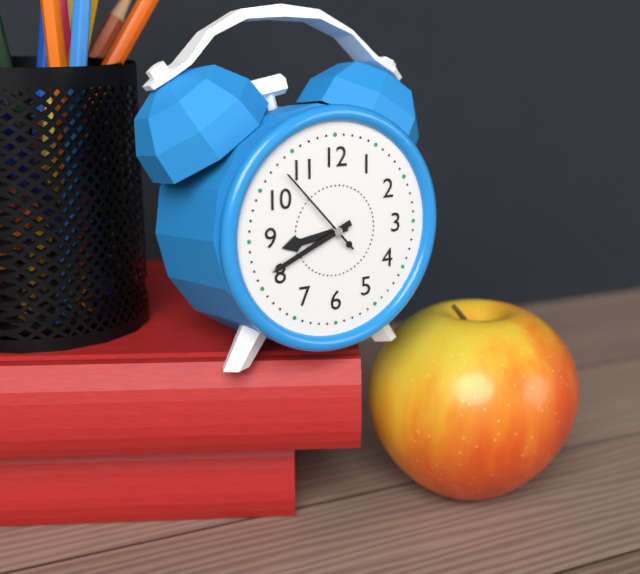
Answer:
{"hour": 8, "minute": 41, "second": 53}
